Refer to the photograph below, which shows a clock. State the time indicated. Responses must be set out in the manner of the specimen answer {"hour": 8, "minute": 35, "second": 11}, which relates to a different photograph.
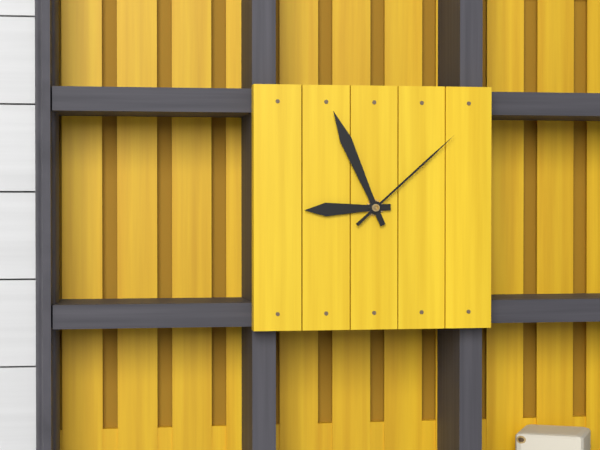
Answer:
{"hour": 8, "minute": 56, "second": 8}
